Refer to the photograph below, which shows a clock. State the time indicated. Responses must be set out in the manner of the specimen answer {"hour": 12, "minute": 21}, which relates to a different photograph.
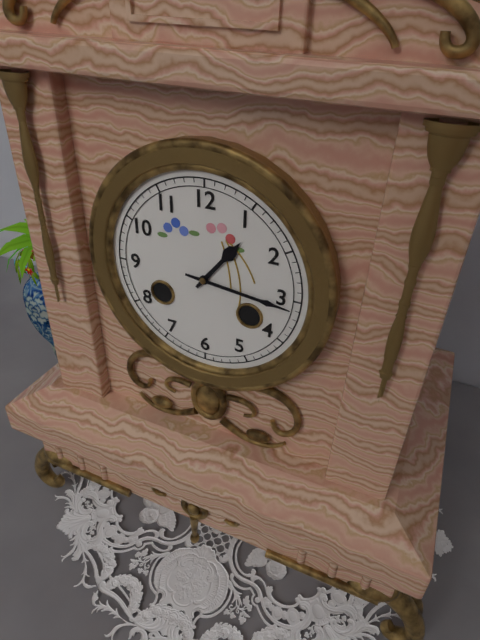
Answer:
{"hour": 1, "minute": 16}
